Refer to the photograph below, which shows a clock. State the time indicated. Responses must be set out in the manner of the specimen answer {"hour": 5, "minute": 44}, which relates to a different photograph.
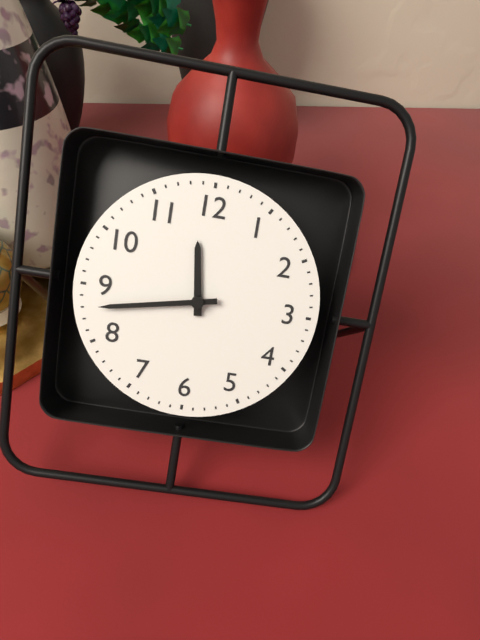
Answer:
{"hour": 11, "minute": 43}
